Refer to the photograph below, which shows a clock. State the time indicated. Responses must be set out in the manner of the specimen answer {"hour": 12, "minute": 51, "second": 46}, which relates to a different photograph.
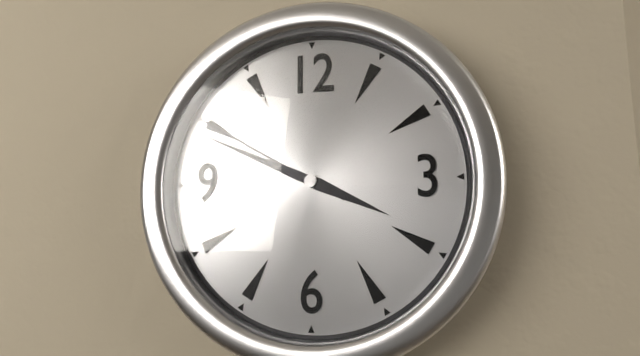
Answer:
{"hour": 3, "minute": 49, "second": 50}
